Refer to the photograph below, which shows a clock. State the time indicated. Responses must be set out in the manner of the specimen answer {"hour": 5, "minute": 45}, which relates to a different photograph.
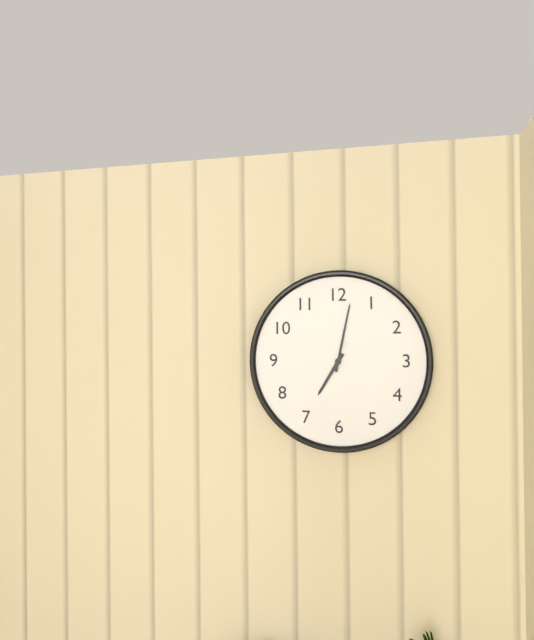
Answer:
{"hour": 7, "minute": 2}
